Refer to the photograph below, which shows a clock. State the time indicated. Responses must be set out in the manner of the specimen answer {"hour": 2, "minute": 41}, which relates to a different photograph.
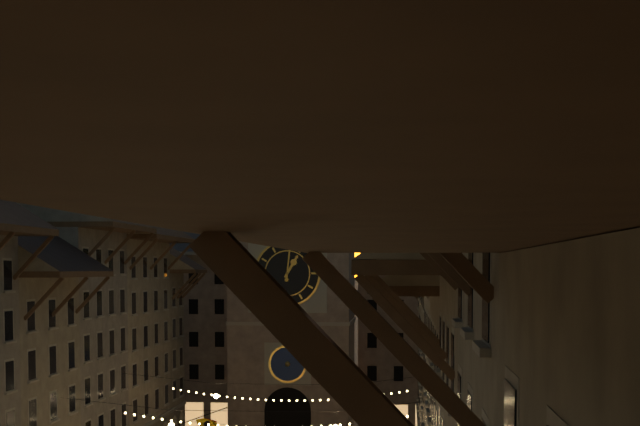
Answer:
{"hour": 1, "minute": 1}
